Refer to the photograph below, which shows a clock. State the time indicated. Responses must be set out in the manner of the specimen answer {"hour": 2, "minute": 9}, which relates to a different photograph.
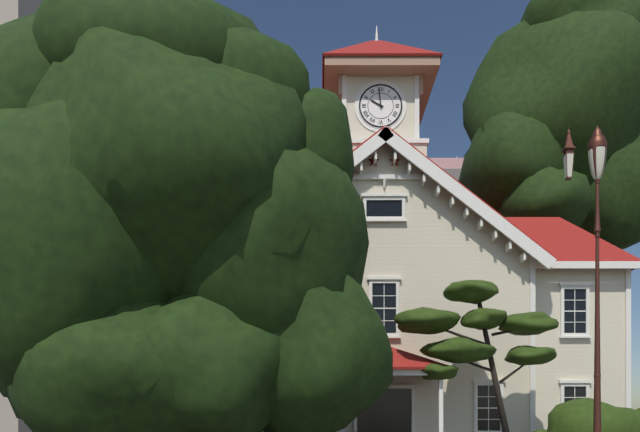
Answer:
{"hour": 9, "minute": 59}
